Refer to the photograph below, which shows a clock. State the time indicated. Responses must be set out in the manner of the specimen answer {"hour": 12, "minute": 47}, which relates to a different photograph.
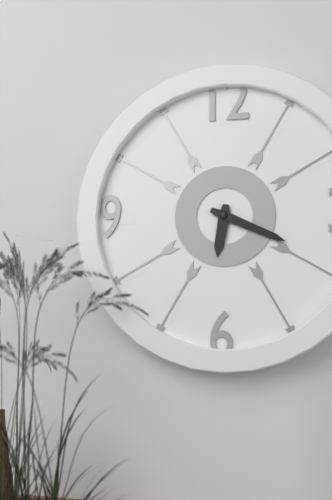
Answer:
{"hour": 6, "minute": 19}
